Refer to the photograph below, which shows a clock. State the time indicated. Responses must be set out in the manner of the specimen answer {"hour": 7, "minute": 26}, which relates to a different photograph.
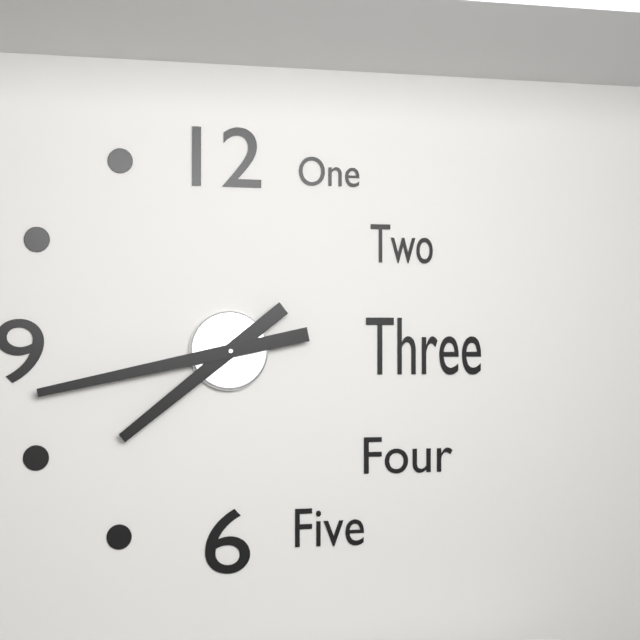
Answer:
{"hour": 7, "minute": 43}
